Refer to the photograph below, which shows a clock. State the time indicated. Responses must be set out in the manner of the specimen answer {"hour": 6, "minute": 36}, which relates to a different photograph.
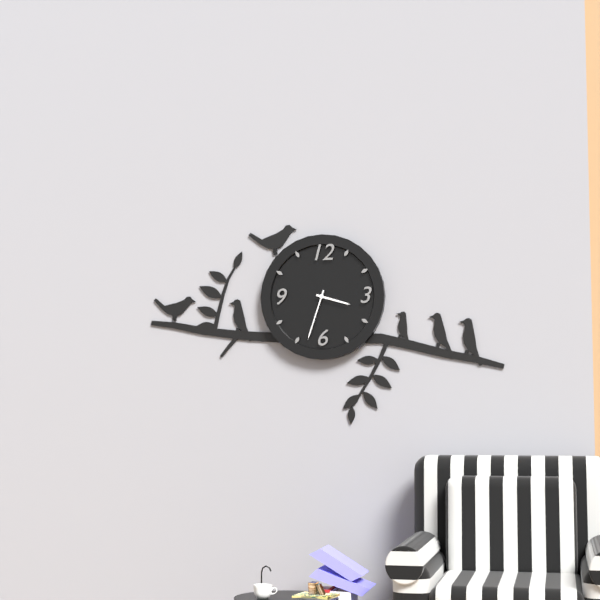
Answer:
{"hour": 3, "minute": 33}
